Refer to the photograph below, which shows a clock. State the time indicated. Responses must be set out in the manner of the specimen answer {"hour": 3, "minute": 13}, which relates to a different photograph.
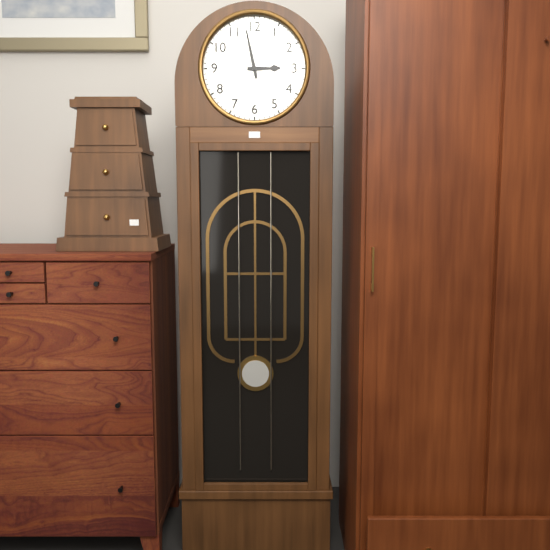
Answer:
{"hour": 2, "minute": 58}
